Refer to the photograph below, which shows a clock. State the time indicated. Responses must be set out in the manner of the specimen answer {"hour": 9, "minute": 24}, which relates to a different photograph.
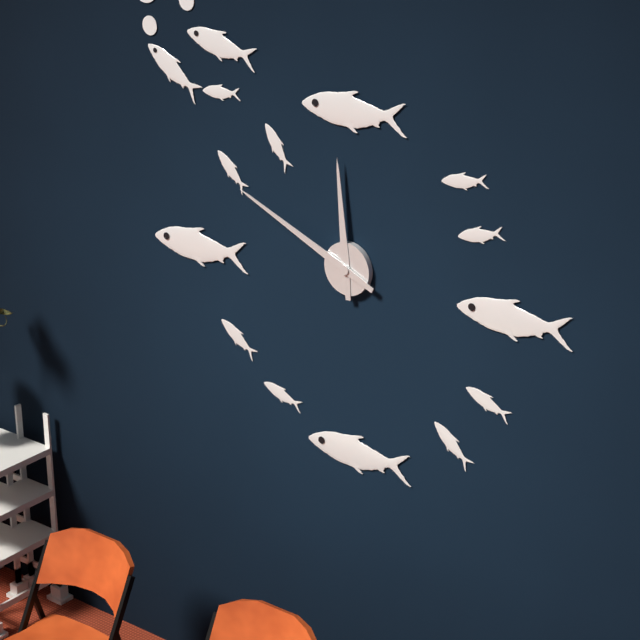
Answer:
{"hour": 11, "minute": 49}
